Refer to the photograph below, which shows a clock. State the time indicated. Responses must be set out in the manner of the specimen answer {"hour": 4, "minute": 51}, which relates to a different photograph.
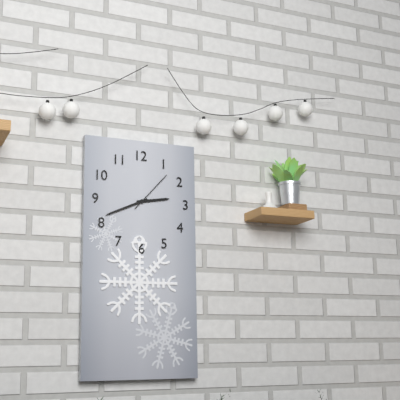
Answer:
{"hour": 2, "minute": 41}
